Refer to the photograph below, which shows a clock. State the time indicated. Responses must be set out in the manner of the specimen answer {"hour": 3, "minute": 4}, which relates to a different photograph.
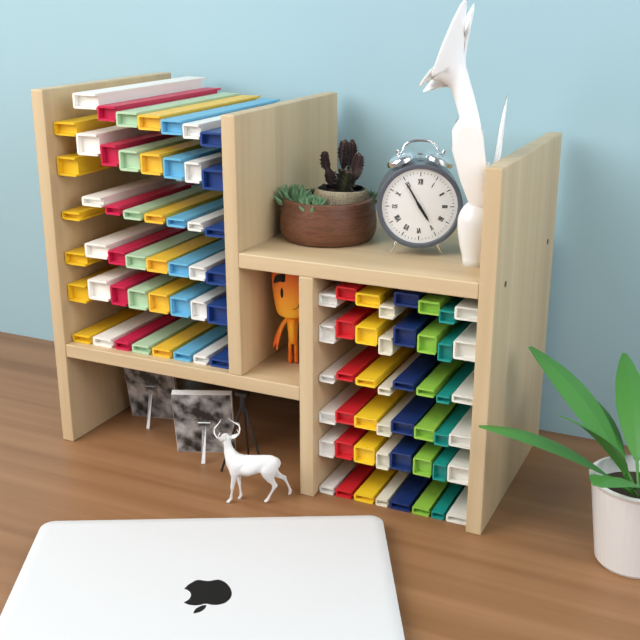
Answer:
{"hour": 4, "minute": 55}
